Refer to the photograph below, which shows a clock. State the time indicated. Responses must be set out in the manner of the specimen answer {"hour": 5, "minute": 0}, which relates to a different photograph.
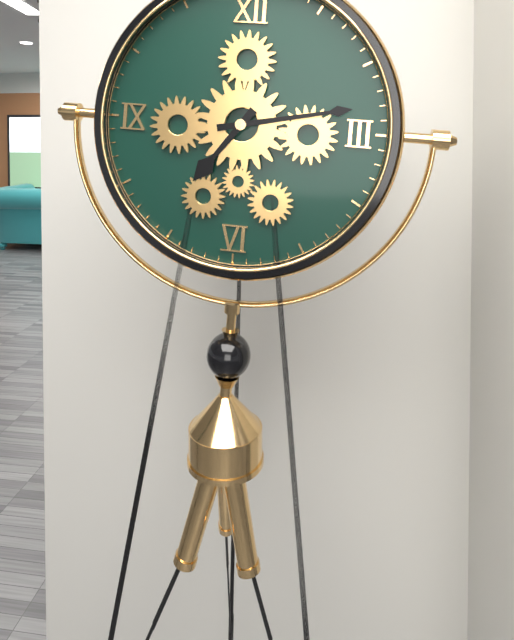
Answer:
{"hour": 7, "minute": 13}
